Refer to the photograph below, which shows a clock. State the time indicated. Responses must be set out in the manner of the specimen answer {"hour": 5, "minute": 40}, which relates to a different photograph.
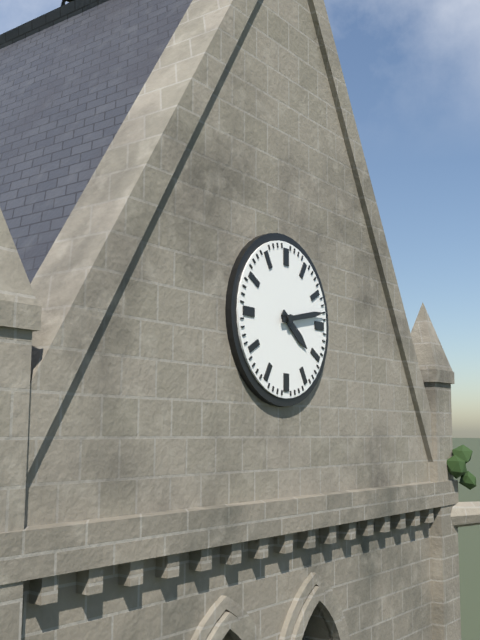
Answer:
{"hour": 4, "minute": 13}
